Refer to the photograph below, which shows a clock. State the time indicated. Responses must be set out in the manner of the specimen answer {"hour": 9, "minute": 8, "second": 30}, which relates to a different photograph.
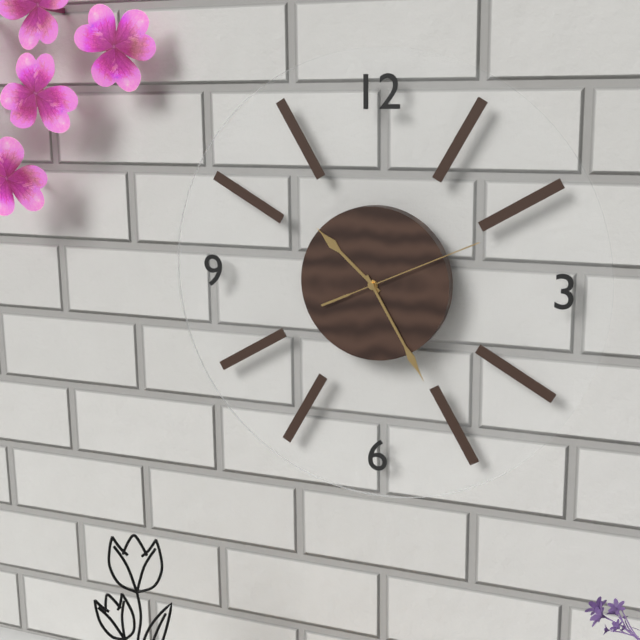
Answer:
{"hour": 10, "minute": 25, "second": 11}
